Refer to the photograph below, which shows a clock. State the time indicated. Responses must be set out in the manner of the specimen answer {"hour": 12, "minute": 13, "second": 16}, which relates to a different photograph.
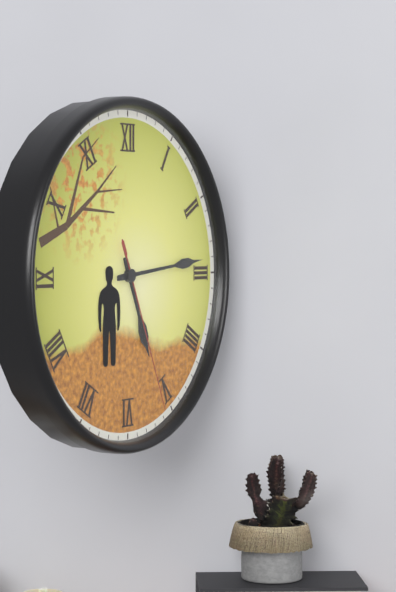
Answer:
{"hour": 5, "minute": 14, "second": 26}
